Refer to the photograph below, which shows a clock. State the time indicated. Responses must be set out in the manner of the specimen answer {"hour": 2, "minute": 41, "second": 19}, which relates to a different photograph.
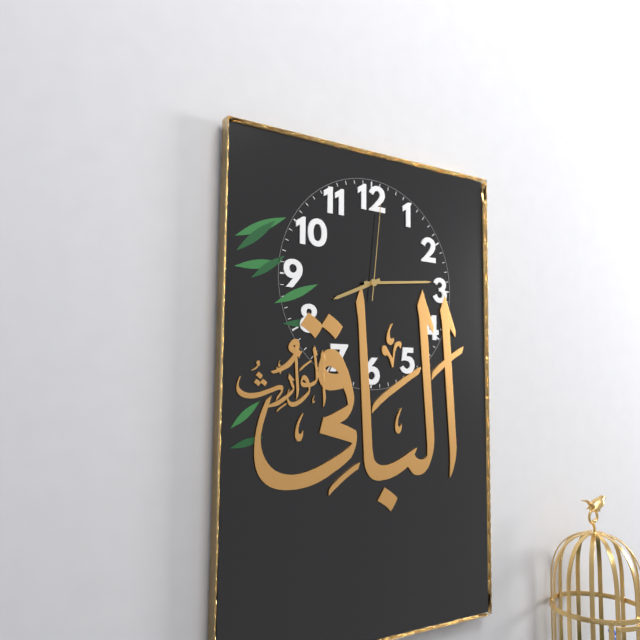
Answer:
{"hour": 8, "minute": 14, "second": 1}
